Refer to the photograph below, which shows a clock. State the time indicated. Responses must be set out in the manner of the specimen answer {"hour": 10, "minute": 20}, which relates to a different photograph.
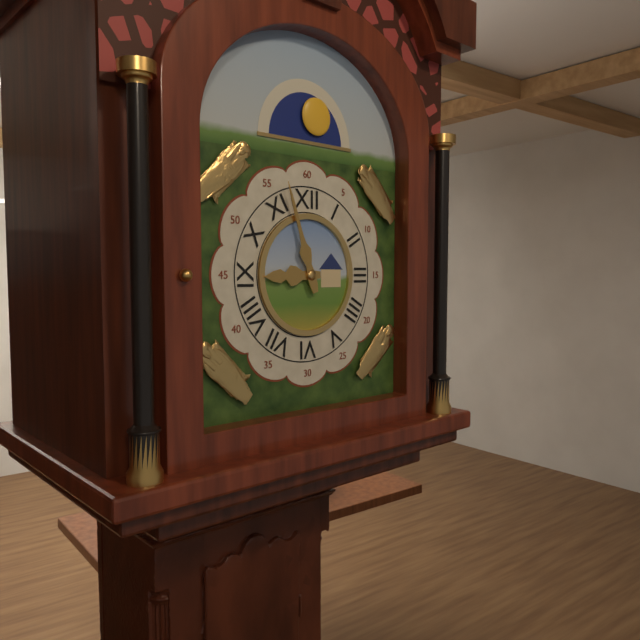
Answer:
{"hour": 8, "minute": 57}
